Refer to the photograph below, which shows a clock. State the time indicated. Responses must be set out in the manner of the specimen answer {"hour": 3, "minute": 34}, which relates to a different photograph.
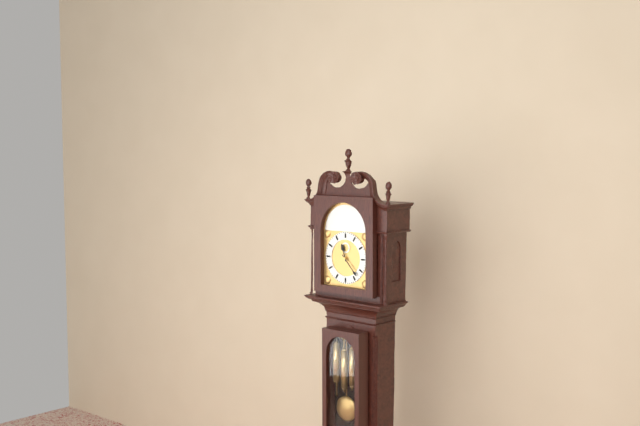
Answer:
{"hour": 11, "minute": 23}
